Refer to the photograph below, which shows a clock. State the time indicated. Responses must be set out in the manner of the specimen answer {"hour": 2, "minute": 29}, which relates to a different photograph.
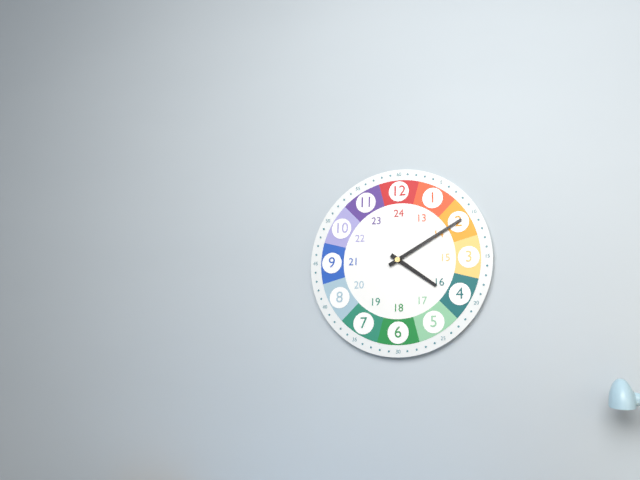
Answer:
{"hour": 4, "minute": 10}
